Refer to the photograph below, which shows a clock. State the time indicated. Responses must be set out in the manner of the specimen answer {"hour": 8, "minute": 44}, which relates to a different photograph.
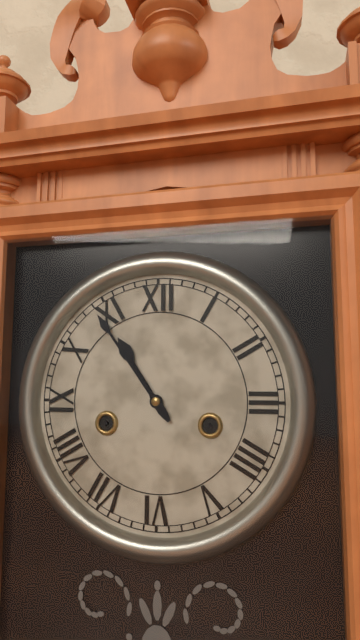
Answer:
{"hour": 10, "minute": 54}
